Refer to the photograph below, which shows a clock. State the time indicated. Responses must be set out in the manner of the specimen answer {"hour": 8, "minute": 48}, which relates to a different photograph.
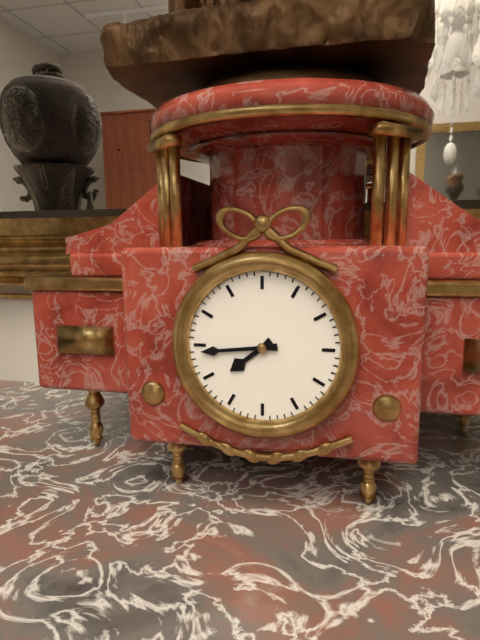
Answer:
{"hour": 7, "minute": 44}
